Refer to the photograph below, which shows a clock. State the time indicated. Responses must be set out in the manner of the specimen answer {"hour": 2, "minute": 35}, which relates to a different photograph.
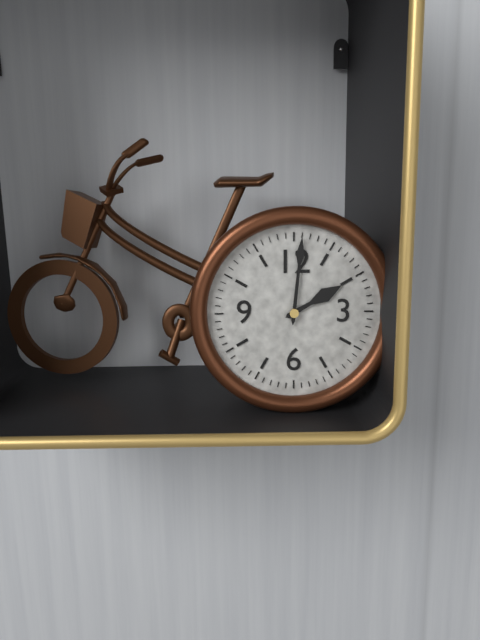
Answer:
{"hour": 2, "minute": 1}
